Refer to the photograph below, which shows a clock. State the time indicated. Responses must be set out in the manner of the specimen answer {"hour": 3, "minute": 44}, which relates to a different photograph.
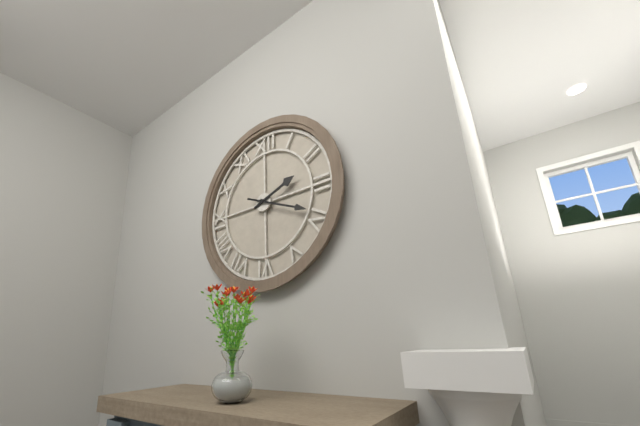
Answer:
{"hour": 2, "minute": 19}
